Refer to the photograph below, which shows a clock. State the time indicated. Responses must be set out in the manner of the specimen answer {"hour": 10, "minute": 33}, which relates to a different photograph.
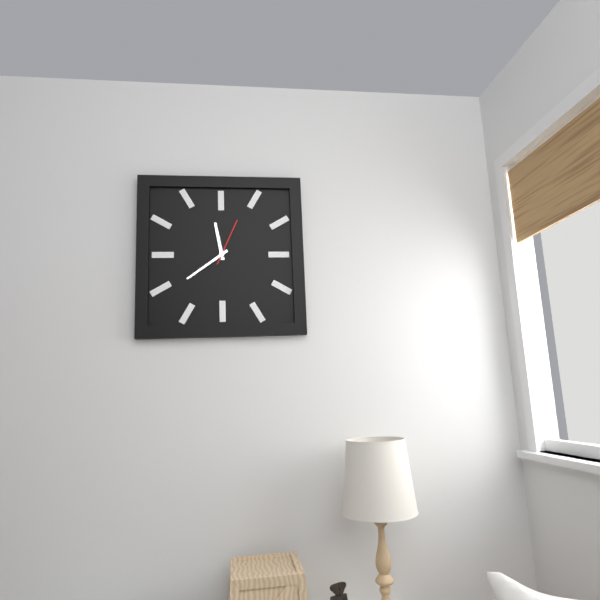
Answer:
{"hour": 11, "minute": 39}
